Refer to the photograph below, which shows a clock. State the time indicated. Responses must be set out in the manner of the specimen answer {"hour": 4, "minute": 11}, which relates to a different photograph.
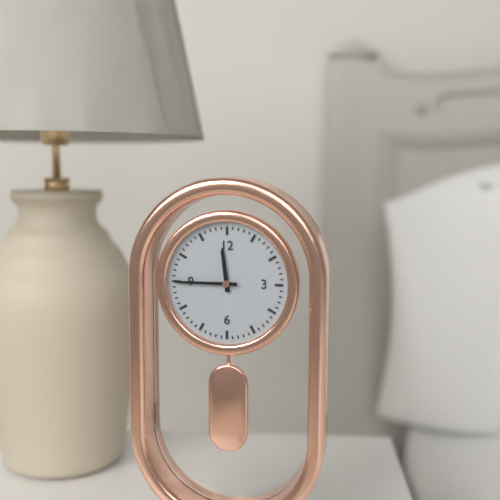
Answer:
{"hour": 11, "minute": 45}
